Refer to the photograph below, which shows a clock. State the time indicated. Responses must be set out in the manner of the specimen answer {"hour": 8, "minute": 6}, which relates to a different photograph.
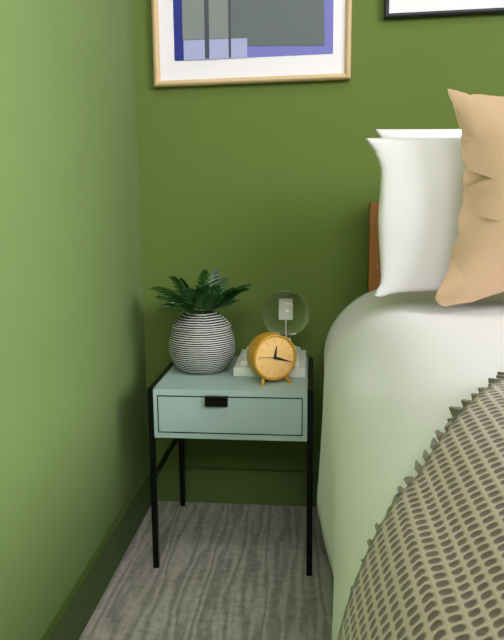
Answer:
{"hour": 12, "minute": 18}
